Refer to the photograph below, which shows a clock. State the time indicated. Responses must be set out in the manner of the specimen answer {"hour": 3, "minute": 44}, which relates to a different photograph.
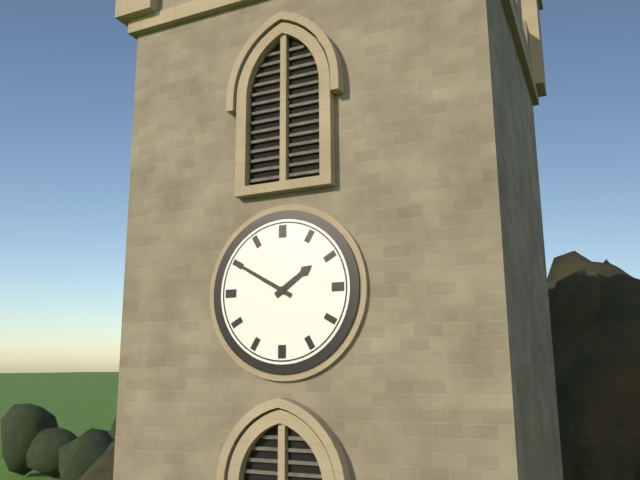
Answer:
{"hour": 1, "minute": 50}
